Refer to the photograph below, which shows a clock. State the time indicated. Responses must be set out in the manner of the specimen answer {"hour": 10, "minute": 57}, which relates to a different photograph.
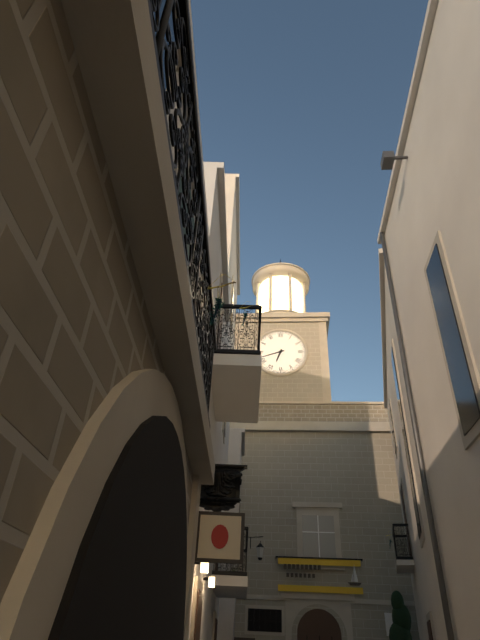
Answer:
{"hour": 6, "minute": 42}
